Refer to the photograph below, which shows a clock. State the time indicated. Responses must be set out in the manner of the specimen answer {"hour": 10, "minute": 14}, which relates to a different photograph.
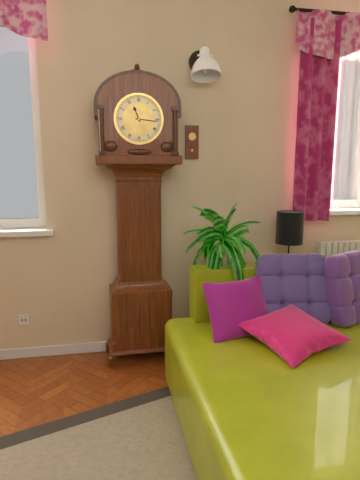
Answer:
{"hour": 11, "minute": 16}
